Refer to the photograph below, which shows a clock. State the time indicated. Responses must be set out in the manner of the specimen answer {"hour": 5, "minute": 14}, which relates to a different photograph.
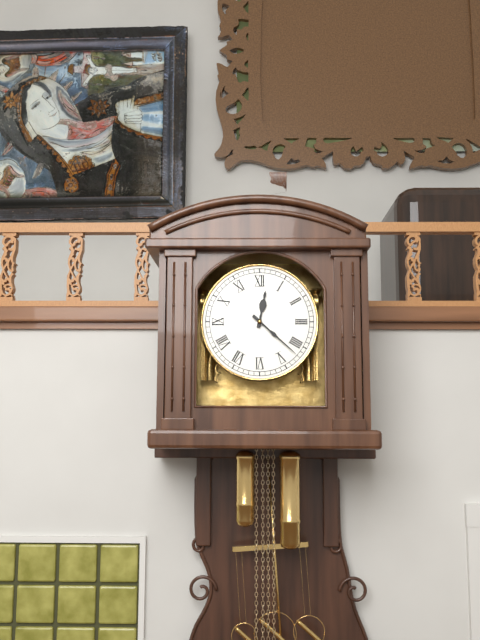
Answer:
{"hour": 12, "minute": 22}
